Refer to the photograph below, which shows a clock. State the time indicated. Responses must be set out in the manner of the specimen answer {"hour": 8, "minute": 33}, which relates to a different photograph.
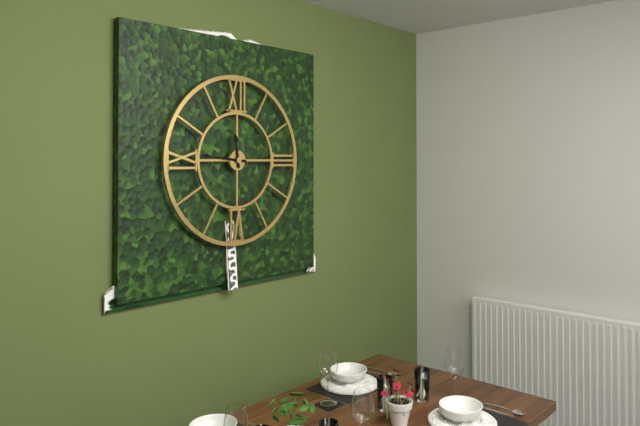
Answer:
{"hour": 11, "minute": 46}
